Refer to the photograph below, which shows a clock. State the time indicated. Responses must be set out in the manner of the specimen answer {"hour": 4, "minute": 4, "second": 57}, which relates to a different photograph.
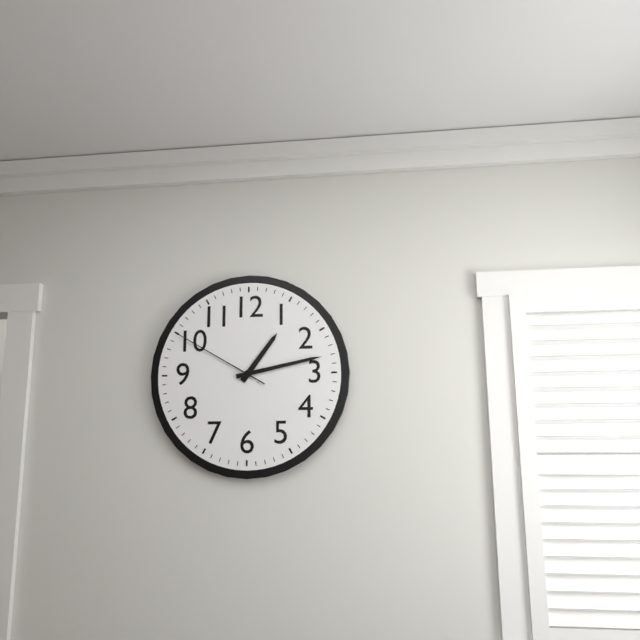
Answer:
{"hour": 1, "minute": 13, "second": 50}
